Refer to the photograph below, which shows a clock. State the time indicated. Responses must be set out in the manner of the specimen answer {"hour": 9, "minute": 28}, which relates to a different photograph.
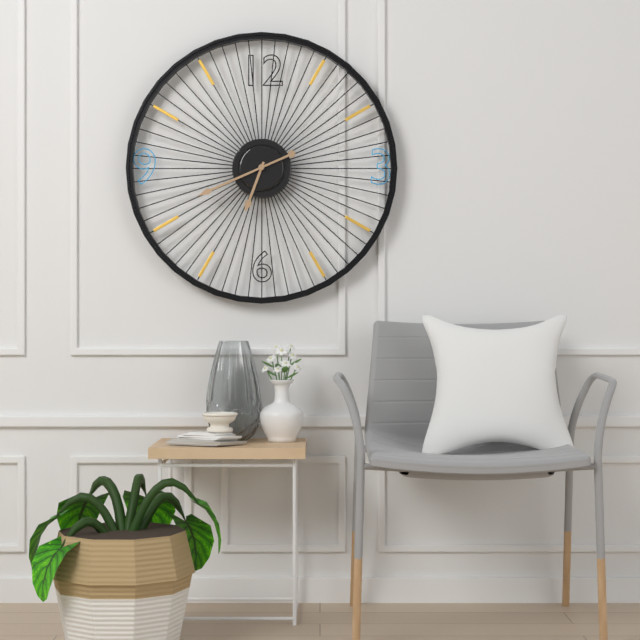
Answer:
{"hour": 6, "minute": 41}
